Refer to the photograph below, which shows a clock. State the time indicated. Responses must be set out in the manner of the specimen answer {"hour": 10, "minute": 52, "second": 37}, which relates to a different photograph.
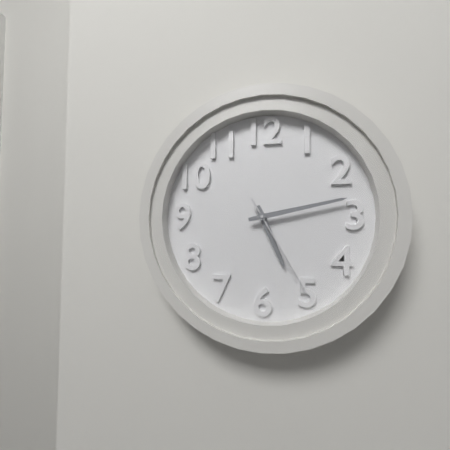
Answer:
{"hour": 5, "minute": 13, "second": 25}
